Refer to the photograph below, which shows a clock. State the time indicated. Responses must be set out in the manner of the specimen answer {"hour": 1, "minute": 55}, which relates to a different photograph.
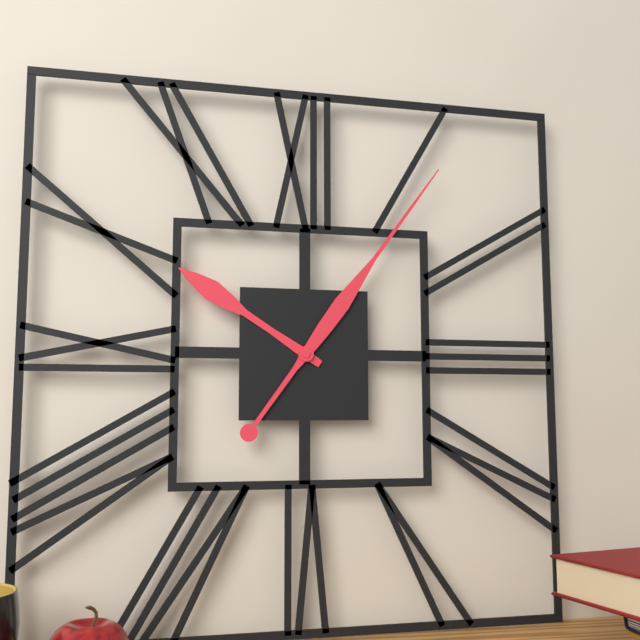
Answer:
{"hour": 10, "minute": 6}
